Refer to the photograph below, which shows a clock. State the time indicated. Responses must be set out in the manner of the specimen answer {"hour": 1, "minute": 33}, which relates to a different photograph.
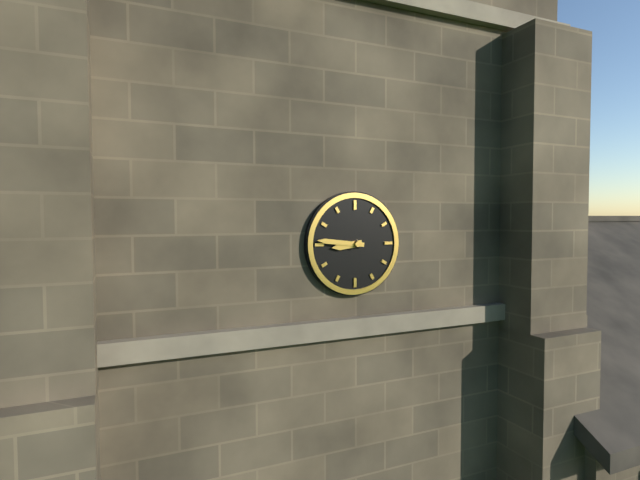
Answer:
{"hour": 8, "minute": 46}
